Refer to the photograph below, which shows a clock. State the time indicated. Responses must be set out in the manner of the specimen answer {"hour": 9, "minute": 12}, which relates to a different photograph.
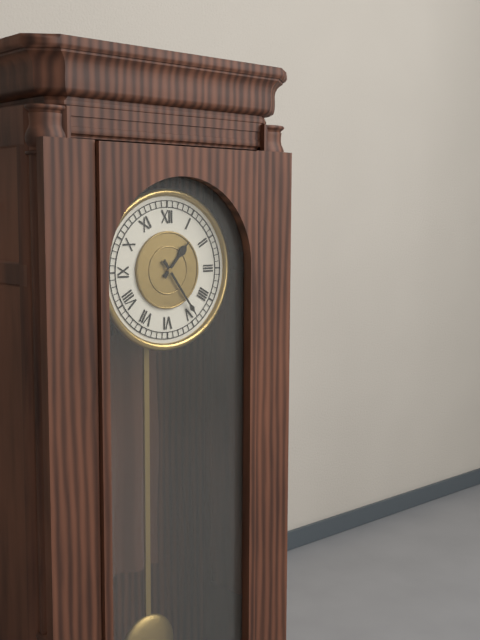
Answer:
{"hour": 1, "minute": 24}
